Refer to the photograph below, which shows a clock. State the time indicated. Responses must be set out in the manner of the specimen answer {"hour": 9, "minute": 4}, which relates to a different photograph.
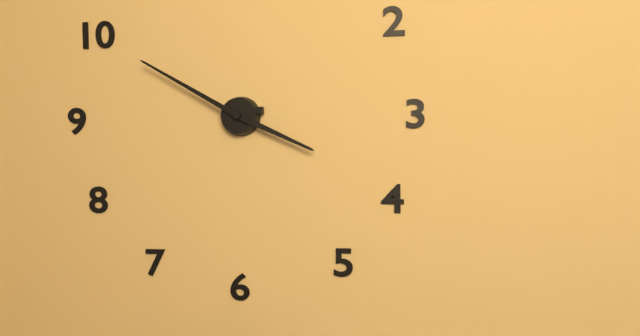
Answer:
{"hour": 3, "minute": 50}
